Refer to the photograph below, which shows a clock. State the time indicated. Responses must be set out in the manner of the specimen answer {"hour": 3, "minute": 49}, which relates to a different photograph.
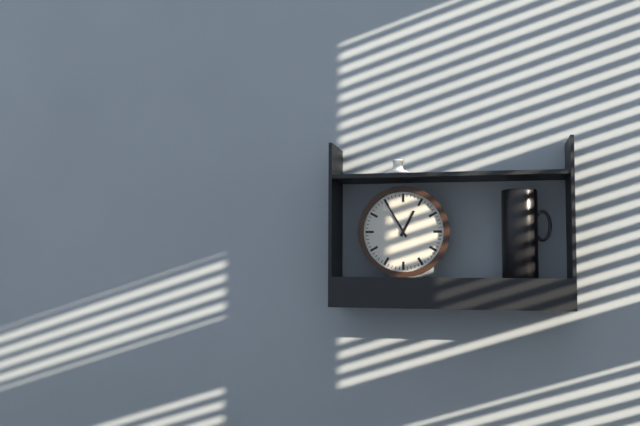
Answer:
{"hour": 12, "minute": 55}
